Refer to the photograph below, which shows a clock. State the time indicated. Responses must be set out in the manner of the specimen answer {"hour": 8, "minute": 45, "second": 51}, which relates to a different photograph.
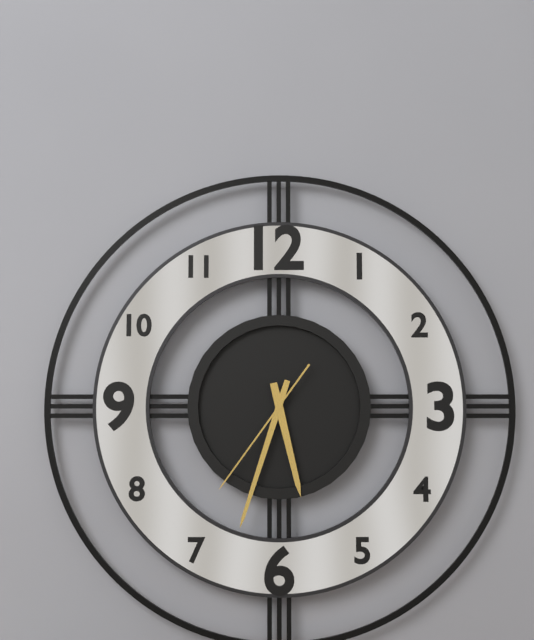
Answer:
{"hour": 5, "minute": 33, "second": 36}
